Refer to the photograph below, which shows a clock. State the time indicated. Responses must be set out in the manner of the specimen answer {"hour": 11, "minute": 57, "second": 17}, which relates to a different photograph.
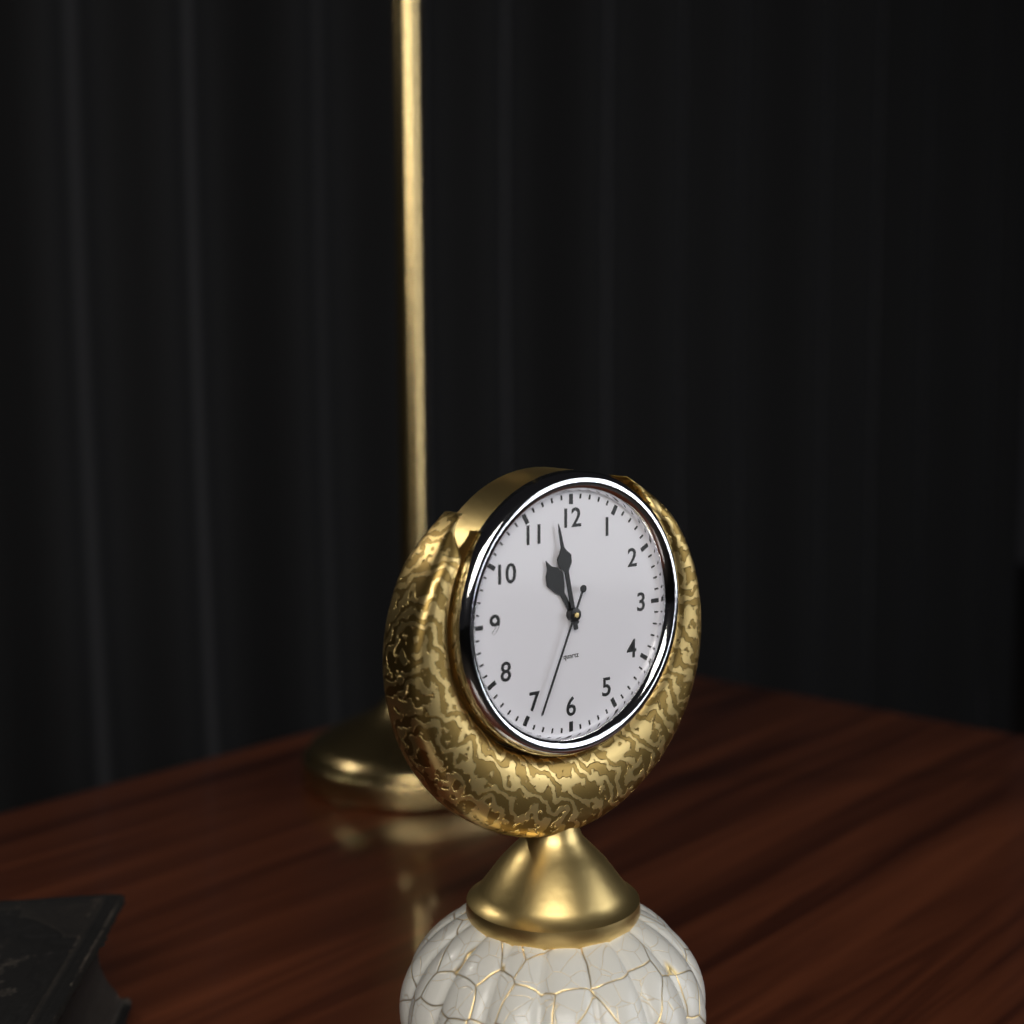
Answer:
{"hour": 10, "minute": 58, "second": 34}
